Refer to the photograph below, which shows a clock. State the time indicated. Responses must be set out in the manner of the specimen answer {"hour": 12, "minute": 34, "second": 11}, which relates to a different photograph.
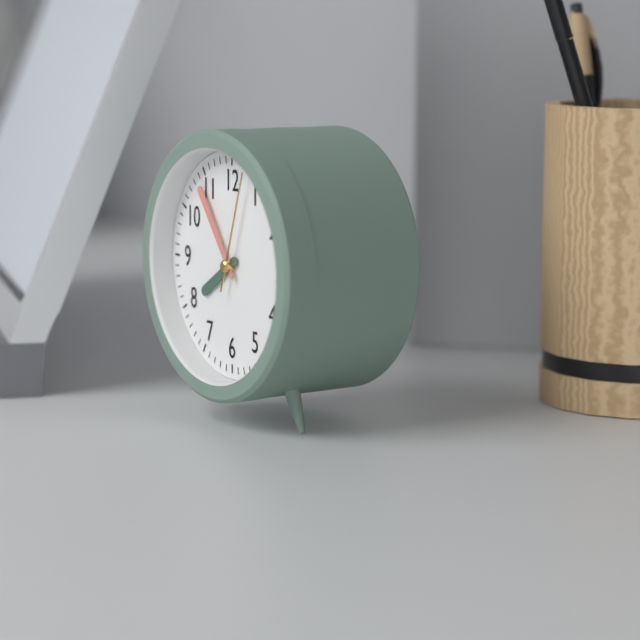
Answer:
{"hour": 7, "minute": 54, "second": 3}
